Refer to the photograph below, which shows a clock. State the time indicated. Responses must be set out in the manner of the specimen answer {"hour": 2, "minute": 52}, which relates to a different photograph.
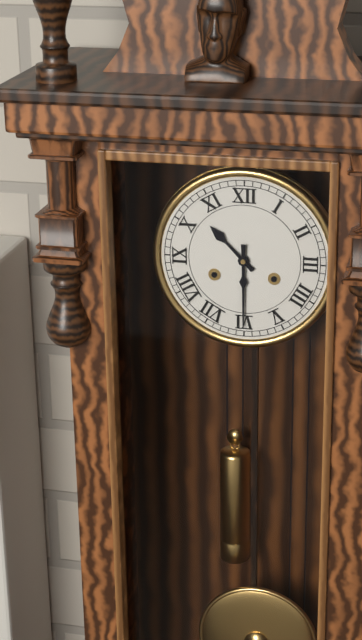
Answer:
{"hour": 10, "minute": 30}
